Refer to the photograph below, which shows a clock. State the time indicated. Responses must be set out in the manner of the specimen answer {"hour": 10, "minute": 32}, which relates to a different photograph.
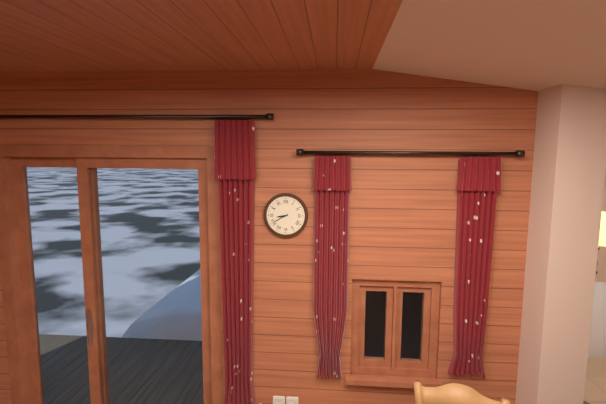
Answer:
{"hour": 8, "minute": 40}
